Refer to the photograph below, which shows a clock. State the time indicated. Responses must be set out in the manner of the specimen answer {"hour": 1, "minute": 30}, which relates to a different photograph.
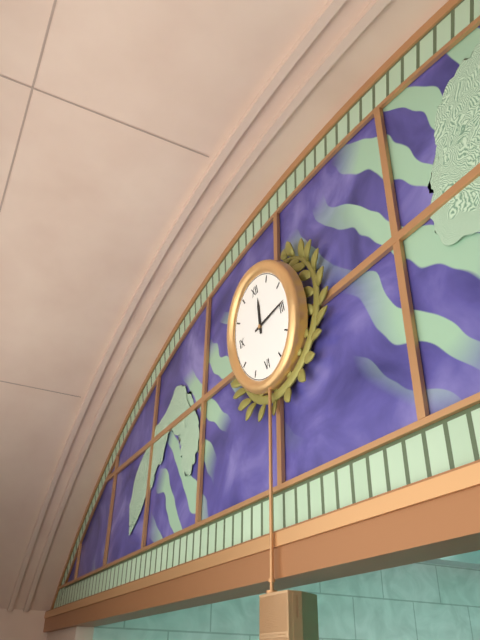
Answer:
{"hour": 12, "minute": 14}
